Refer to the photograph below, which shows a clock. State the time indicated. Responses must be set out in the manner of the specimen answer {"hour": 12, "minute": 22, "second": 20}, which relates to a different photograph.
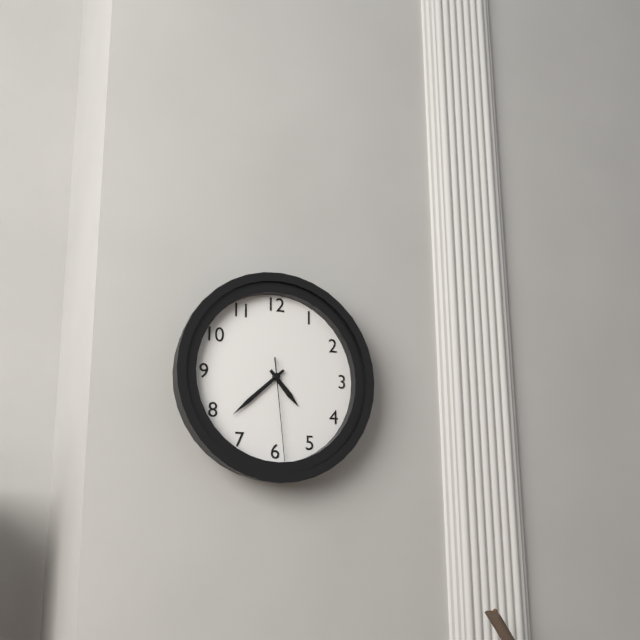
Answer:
{"hour": 4, "minute": 38, "second": 29}
